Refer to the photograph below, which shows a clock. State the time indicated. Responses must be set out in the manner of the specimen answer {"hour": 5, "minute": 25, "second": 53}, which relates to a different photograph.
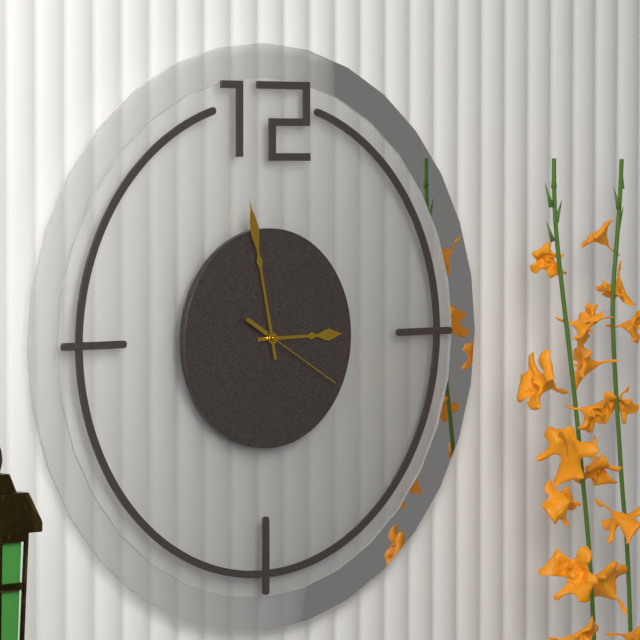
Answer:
{"hour": 2, "minute": 58, "second": 20}
